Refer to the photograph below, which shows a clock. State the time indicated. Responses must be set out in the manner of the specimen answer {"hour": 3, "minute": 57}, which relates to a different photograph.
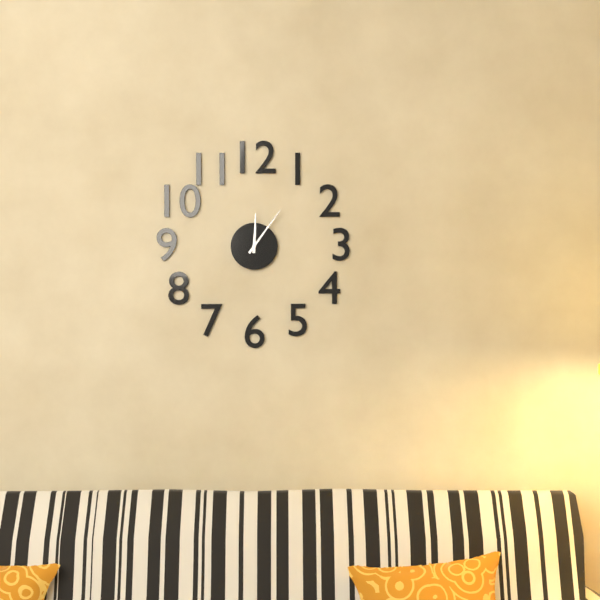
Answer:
{"hour": 12, "minute": 6}
